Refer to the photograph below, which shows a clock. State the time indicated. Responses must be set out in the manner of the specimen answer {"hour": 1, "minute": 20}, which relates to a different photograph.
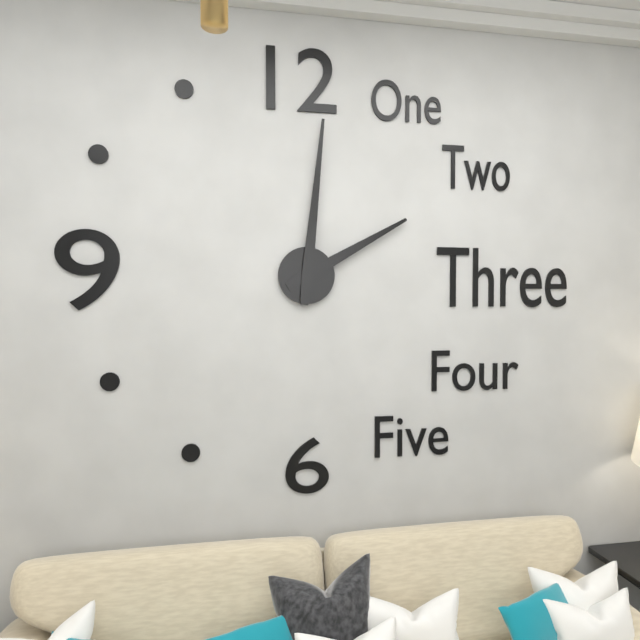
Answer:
{"hour": 2, "minute": 1}
